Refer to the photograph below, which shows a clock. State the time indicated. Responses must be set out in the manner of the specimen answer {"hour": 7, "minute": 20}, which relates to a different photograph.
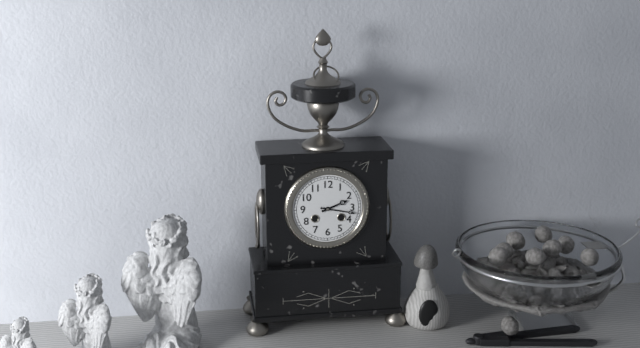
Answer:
{"hour": 2, "minute": 17}
